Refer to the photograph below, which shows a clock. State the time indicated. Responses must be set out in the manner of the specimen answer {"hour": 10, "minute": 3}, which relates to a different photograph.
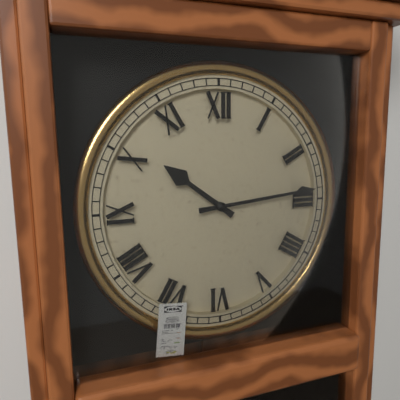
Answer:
{"hour": 10, "minute": 14}
